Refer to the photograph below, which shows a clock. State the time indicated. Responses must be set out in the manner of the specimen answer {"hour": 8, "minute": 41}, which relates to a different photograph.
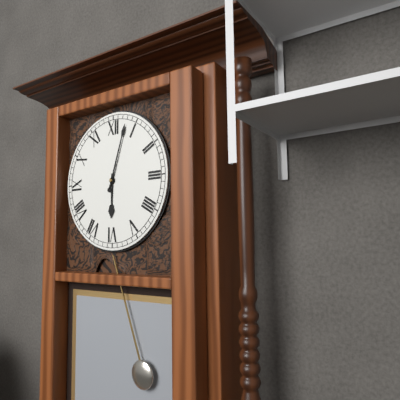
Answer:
{"hour": 6, "minute": 3}
